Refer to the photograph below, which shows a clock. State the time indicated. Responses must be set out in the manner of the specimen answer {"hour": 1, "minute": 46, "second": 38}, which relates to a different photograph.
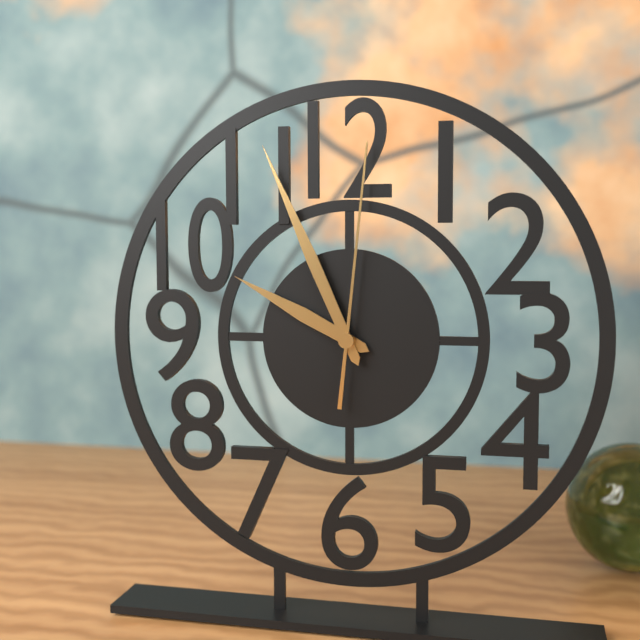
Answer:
{"hour": 9, "minute": 56, "second": 1}
